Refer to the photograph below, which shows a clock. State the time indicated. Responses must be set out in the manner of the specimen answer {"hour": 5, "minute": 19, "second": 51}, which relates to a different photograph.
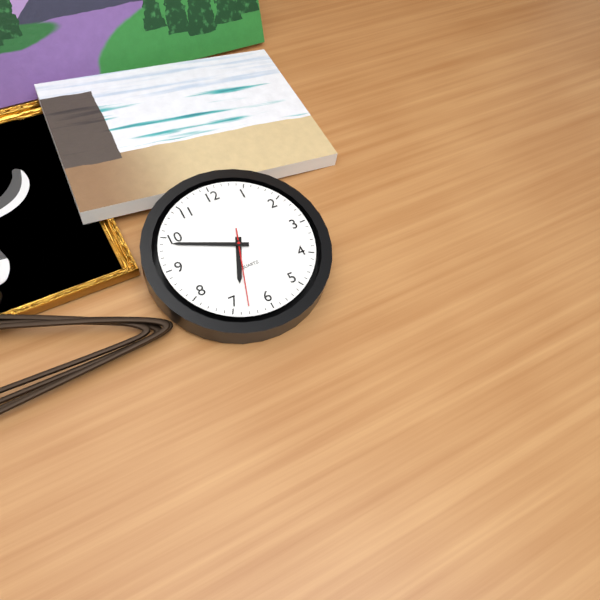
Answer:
{"hour": 6, "minute": 49, "second": 33}
